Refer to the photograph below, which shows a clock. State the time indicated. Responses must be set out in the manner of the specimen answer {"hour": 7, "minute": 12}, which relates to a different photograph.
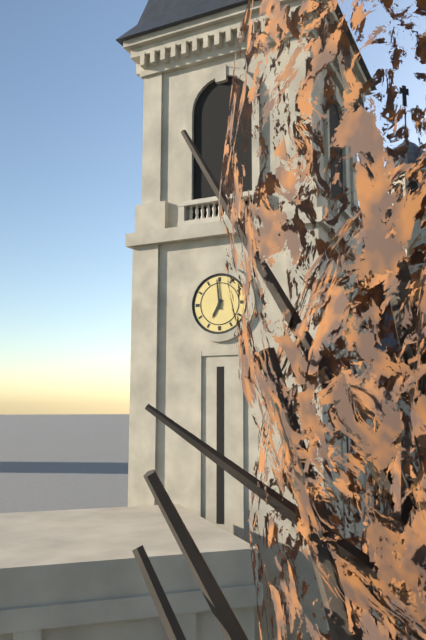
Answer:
{"hour": 6, "minute": 59}
